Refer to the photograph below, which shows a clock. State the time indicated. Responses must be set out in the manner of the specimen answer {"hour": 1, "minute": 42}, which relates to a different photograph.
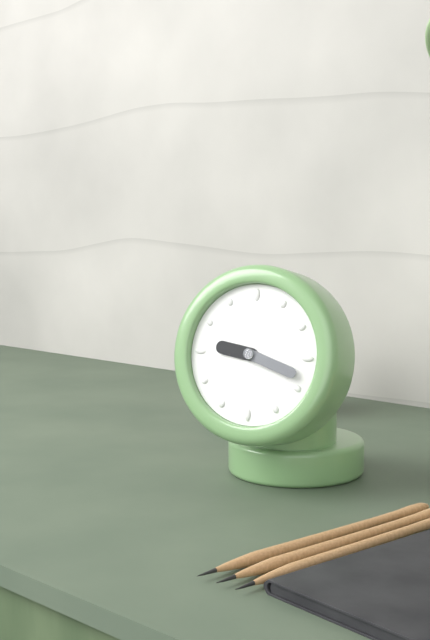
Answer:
{"hour": 9, "minute": 18}
